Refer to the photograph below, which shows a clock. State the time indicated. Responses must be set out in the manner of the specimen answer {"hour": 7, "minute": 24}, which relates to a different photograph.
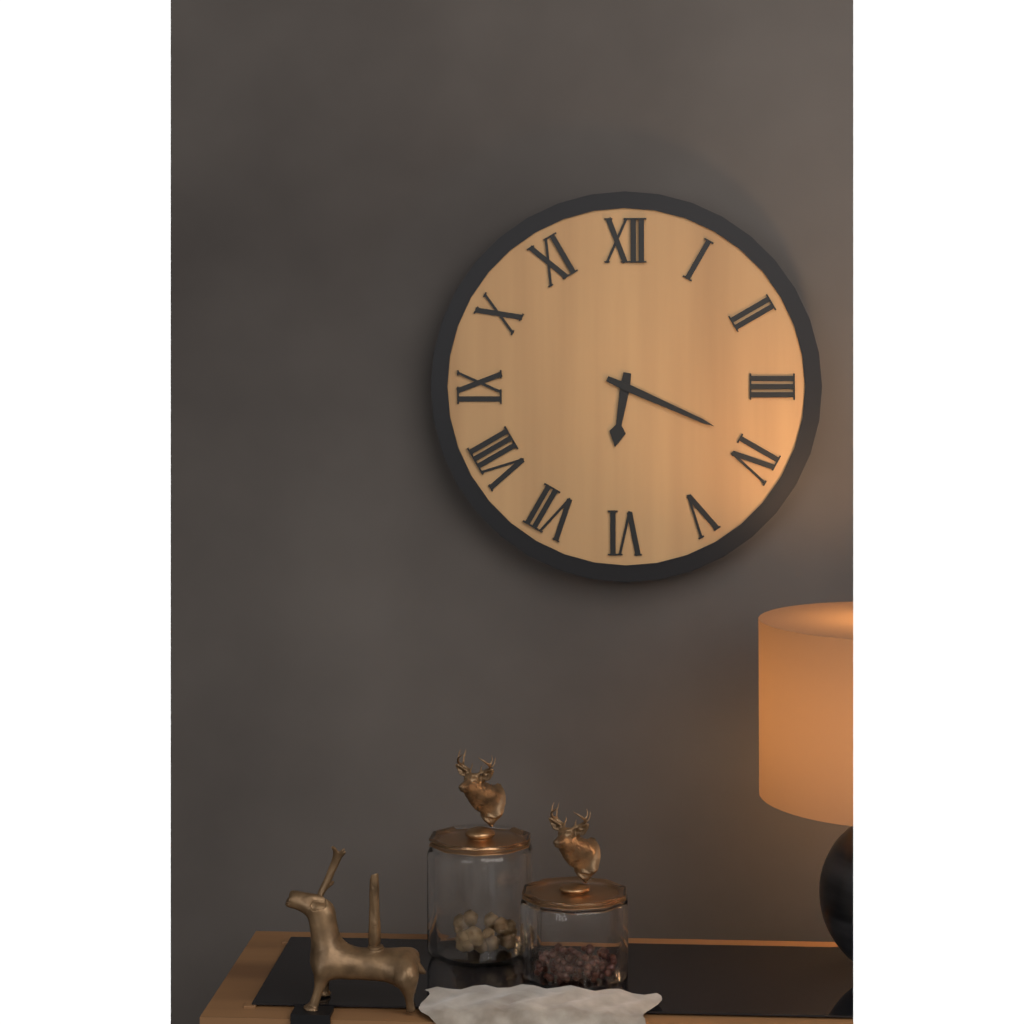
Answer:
{"hour": 6, "minute": 19}
